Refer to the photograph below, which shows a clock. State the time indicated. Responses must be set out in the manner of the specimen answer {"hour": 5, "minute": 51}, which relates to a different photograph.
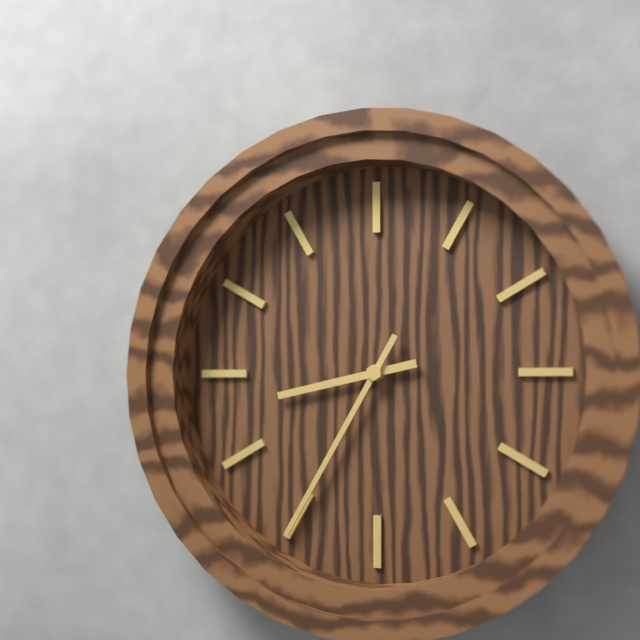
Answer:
{"hour": 8, "minute": 35}
